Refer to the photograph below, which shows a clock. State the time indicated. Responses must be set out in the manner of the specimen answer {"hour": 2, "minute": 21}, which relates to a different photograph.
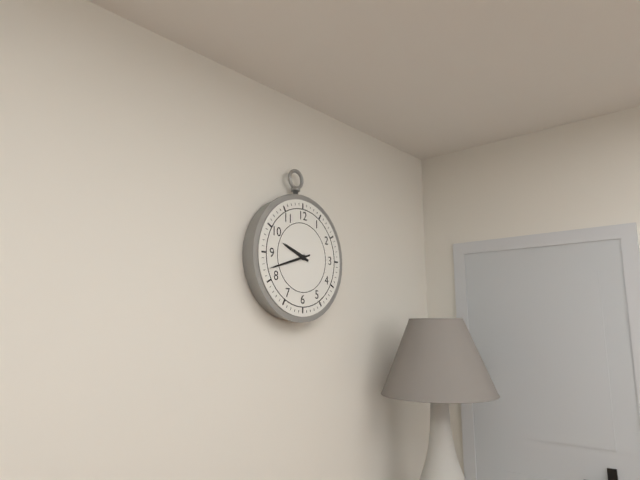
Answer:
{"hour": 9, "minute": 42}
